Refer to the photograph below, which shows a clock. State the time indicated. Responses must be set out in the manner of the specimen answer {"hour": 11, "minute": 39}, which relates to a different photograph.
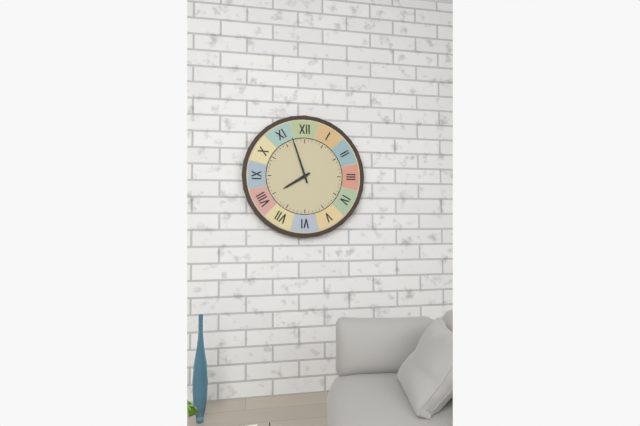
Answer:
{"hour": 7, "minute": 57}
